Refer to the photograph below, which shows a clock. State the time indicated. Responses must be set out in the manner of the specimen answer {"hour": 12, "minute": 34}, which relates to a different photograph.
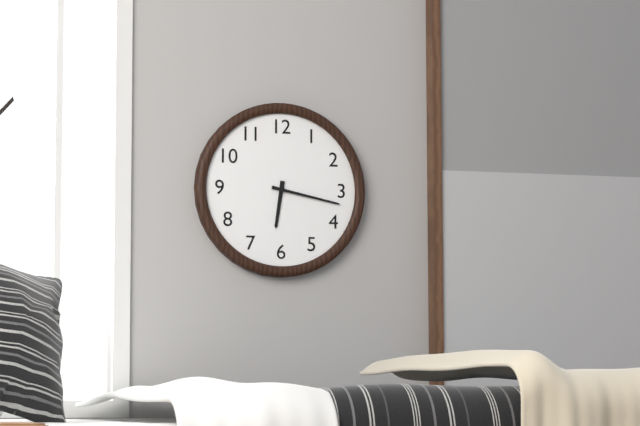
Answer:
{"hour": 6, "minute": 17}
